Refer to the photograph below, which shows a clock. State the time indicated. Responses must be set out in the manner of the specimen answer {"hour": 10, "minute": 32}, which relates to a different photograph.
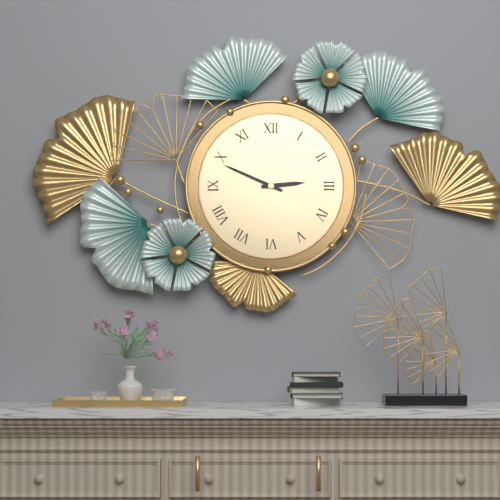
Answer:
{"hour": 2, "minute": 49}
